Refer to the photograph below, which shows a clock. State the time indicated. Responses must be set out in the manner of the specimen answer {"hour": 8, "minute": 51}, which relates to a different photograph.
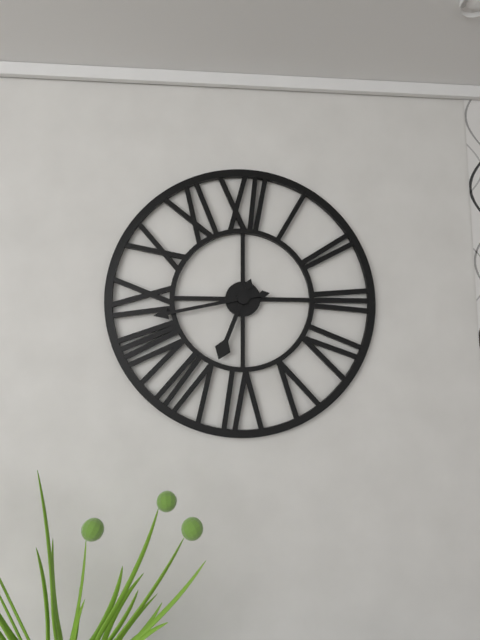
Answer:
{"hour": 6, "minute": 43}
